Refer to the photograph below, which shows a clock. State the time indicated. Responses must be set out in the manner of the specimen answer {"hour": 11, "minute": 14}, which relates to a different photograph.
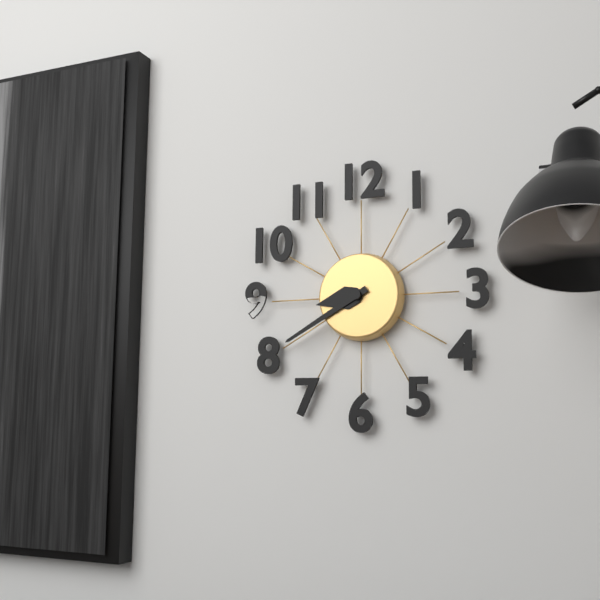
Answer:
{"hour": 8, "minute": 40}
